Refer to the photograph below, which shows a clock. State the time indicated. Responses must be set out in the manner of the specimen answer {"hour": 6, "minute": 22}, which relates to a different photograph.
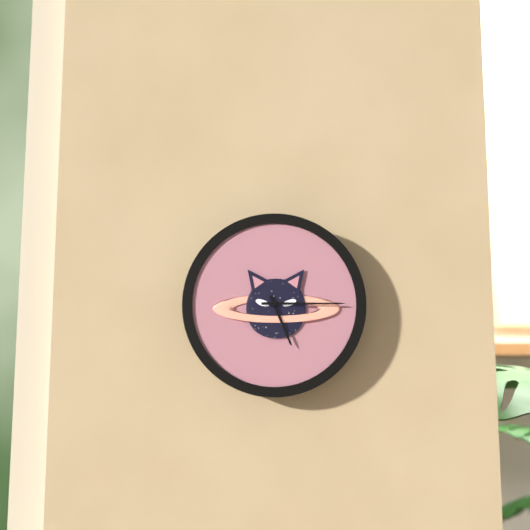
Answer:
{"hour": 5, "minute": 15}
